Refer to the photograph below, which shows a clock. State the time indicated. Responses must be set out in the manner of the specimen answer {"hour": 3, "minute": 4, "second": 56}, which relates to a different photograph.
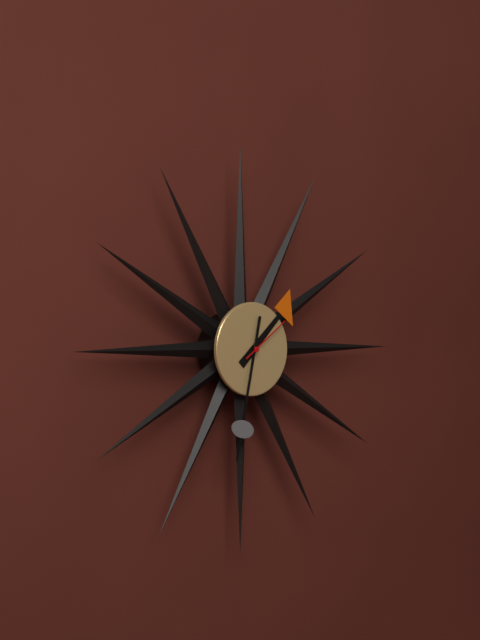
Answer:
{"hour": 1, "minute": 32, "second": 9}
